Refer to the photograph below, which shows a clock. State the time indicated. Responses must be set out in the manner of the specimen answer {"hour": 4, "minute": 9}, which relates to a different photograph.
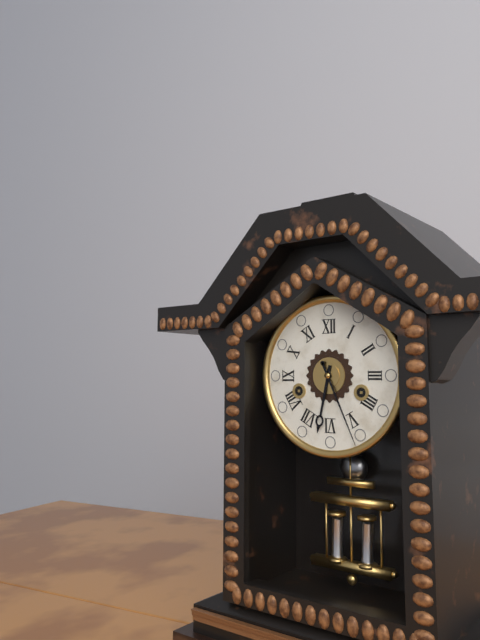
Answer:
{"hour": 6, "minute": 26}
